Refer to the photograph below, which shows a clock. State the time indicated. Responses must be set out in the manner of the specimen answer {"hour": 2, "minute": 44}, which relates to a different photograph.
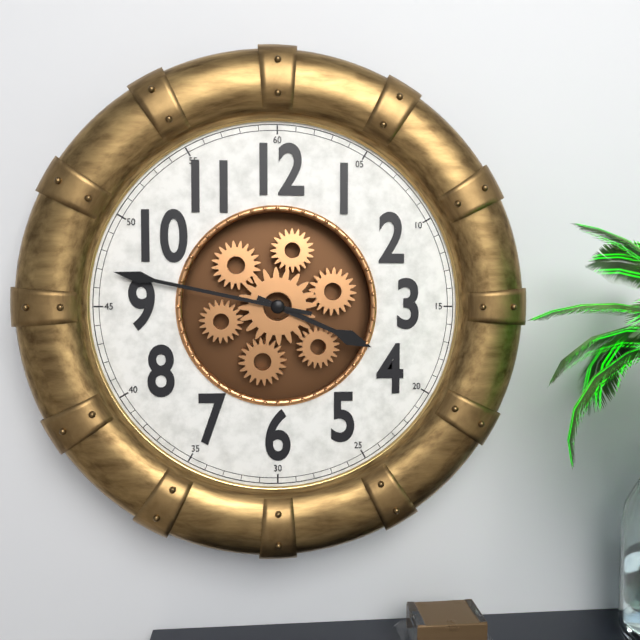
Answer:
{"hour": 3, "minute": 47}
